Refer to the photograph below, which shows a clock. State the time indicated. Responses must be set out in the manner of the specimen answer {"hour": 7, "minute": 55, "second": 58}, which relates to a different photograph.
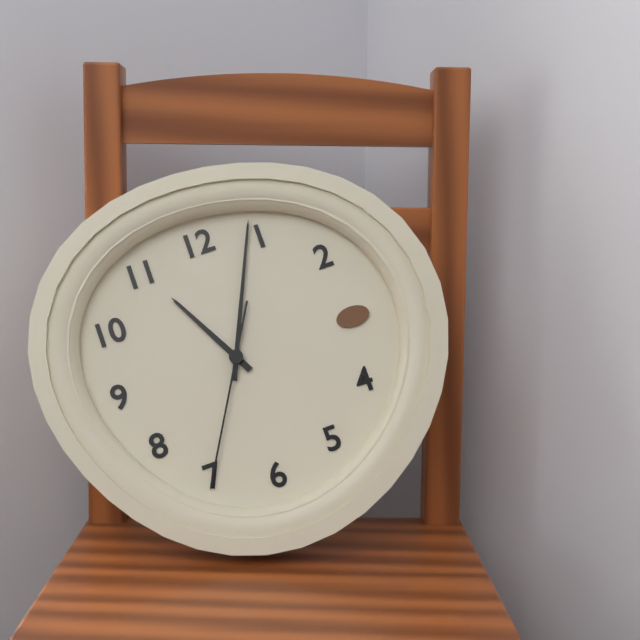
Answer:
{"hour": 11, "minute": 4, "second": 35}
